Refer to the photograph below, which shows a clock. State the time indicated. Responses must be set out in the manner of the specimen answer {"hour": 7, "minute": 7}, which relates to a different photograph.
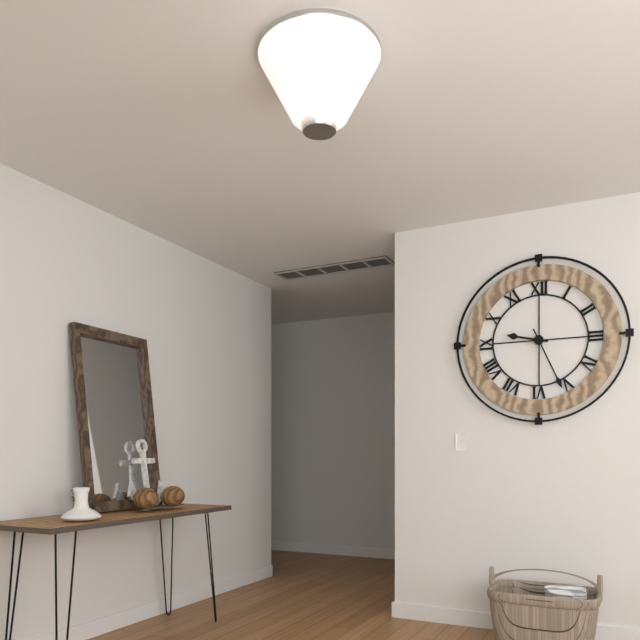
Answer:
{"hour": 9, "minute": 26}
